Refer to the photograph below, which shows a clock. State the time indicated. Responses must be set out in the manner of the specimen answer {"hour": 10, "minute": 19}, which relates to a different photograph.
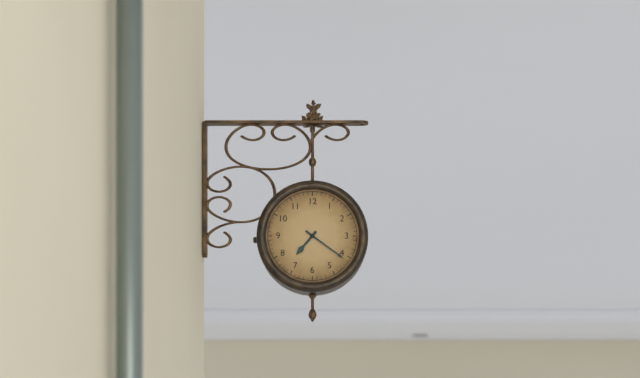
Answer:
{"hour": 7, "minute": 21}
